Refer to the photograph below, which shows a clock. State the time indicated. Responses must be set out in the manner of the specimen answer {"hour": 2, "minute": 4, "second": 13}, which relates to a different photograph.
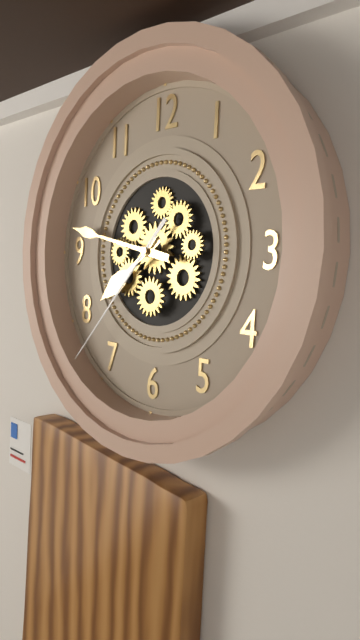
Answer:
{"hour": 7, "minute": 47, "second": 37}
